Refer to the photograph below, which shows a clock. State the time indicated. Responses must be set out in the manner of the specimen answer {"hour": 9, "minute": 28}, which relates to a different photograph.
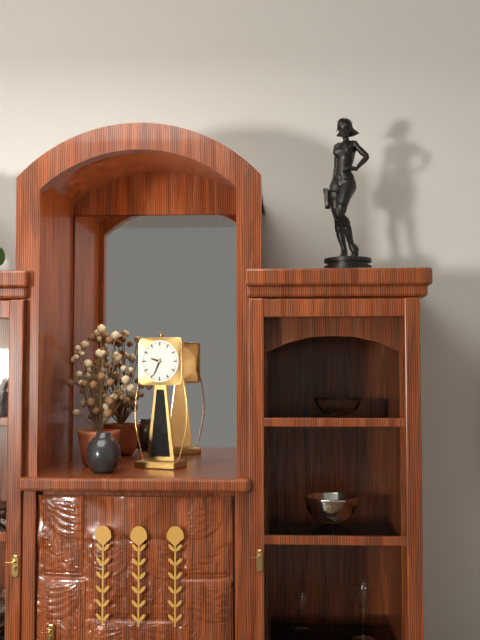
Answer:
{"hour": 9, "minute": 34}
